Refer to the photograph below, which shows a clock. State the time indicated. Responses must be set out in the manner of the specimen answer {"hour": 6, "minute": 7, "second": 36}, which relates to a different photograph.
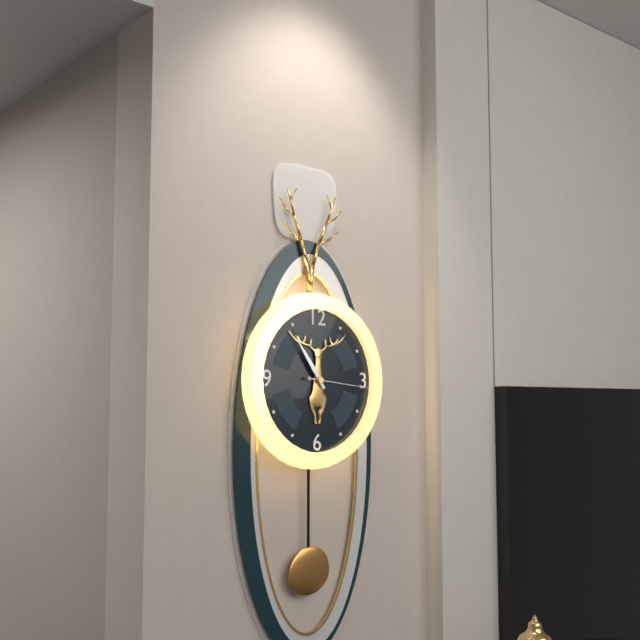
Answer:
{"hour": 10, "minute": 54, "second": 16}
